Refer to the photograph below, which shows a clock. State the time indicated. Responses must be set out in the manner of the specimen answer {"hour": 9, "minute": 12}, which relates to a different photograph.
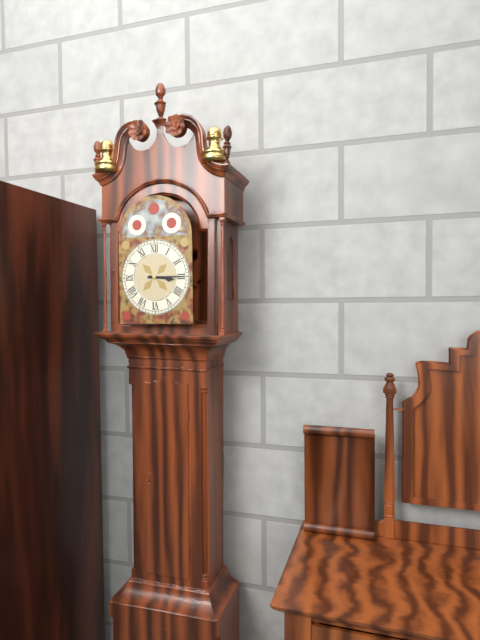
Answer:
{"hour": 3, "minute": 15}
